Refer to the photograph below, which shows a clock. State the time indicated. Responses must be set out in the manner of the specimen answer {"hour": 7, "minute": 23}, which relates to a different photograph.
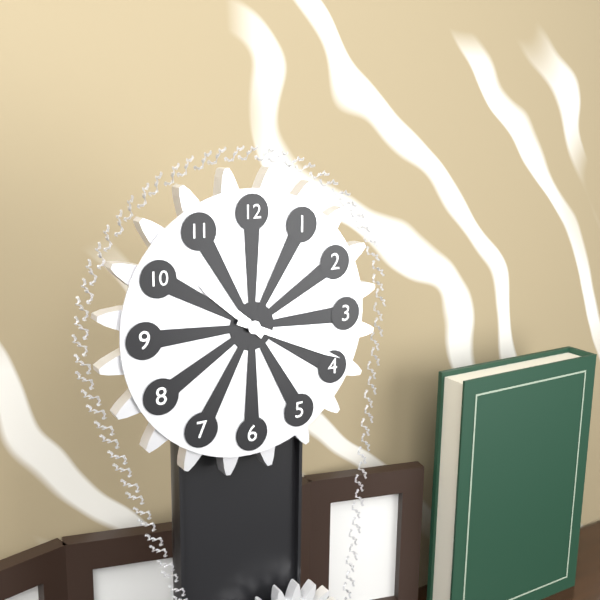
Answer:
{"hour": 10, "minute": 19}
